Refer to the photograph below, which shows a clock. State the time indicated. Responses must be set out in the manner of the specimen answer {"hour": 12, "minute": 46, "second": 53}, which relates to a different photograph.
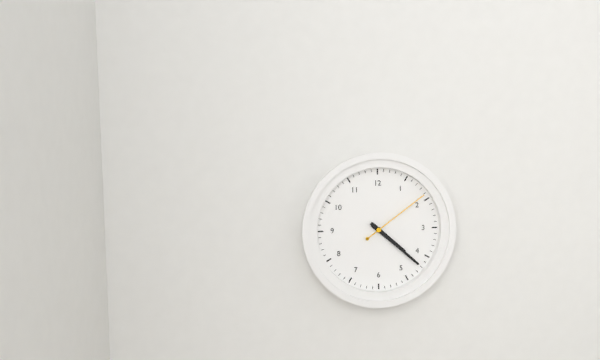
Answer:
{"hour": 4, "minute": 22, "second": 9}
